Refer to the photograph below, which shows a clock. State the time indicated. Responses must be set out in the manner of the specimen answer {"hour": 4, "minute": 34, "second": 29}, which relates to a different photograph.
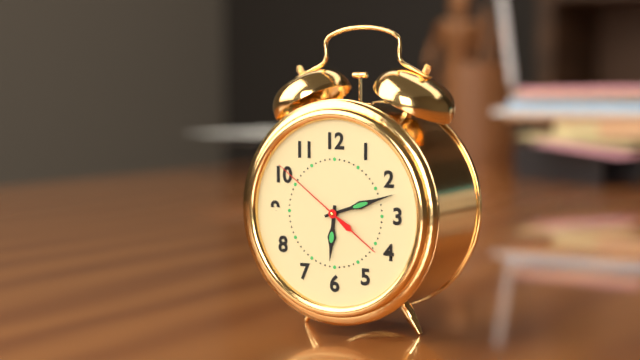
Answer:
{"hour": 6, "minute": 12, "second": 51}
